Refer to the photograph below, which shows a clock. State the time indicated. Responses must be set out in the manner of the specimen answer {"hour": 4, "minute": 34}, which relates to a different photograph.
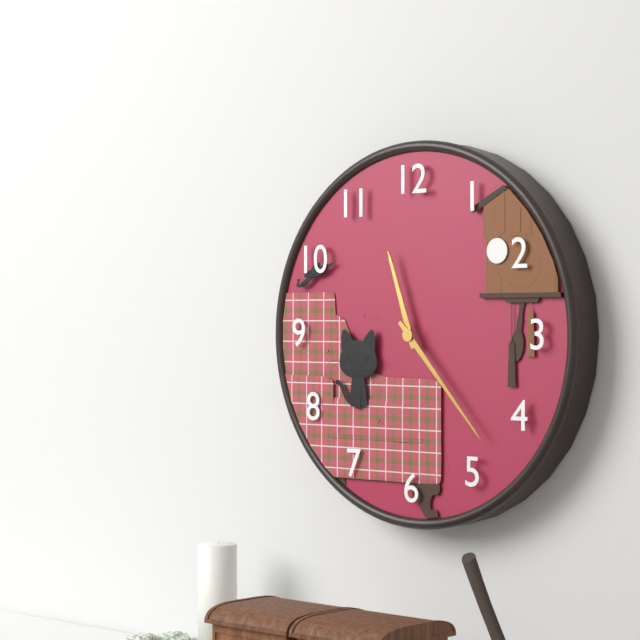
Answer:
{"hour": 11, "minute": 23}
